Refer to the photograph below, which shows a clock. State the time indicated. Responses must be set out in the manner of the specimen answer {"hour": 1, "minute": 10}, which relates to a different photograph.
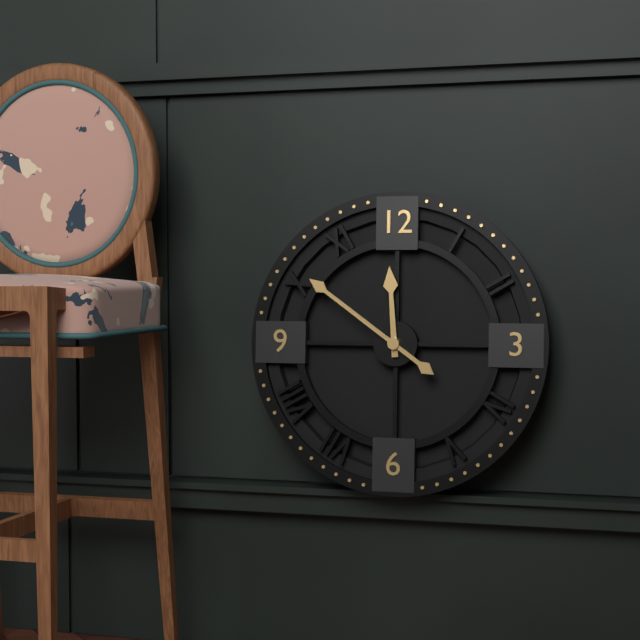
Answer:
{"hour": 11, "minute": 51}
